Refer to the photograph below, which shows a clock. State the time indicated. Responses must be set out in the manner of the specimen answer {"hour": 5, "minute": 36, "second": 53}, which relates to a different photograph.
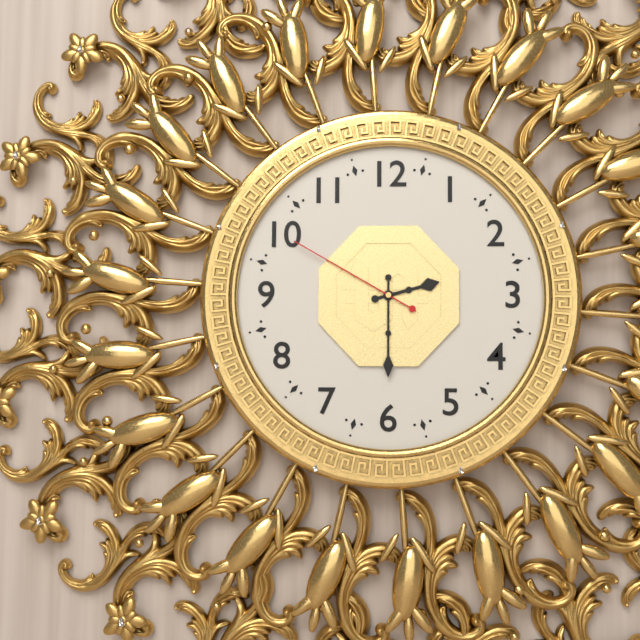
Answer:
{"hour": 2, "minute": 30, "second": 50}
